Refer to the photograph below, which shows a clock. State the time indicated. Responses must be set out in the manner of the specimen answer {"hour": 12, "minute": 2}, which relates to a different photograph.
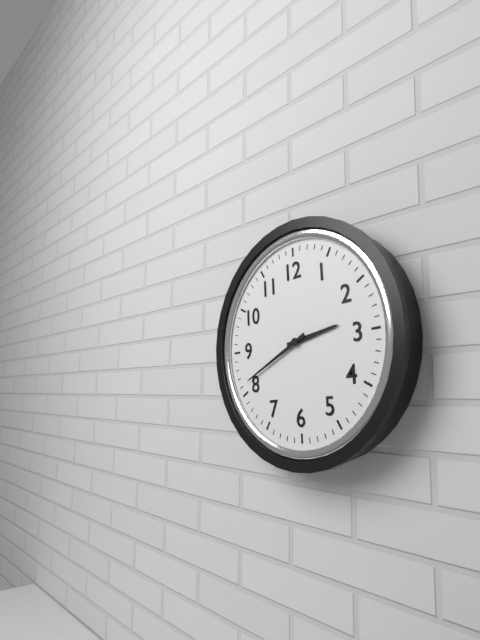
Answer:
{"hour": 2, "minute": 41}
